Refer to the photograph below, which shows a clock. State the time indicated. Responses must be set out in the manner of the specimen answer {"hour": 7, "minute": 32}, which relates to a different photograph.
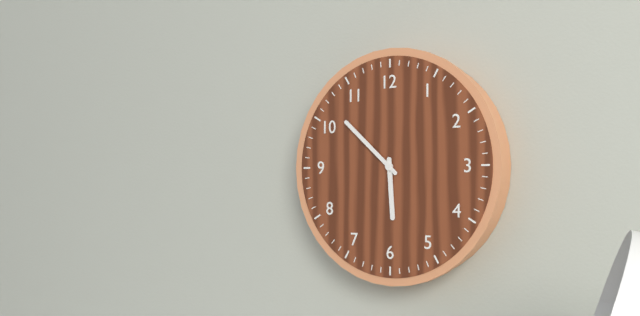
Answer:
{"hour": 5, "minute": 52}
